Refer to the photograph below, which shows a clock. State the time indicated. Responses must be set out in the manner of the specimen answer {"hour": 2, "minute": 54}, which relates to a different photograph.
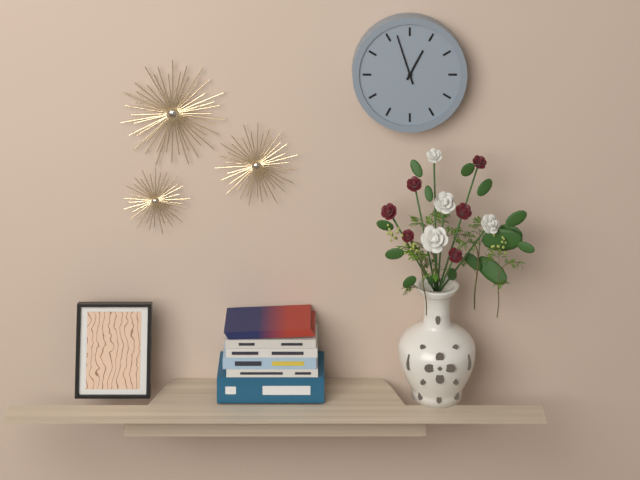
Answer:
{"hour": 12, "minute": 57}
